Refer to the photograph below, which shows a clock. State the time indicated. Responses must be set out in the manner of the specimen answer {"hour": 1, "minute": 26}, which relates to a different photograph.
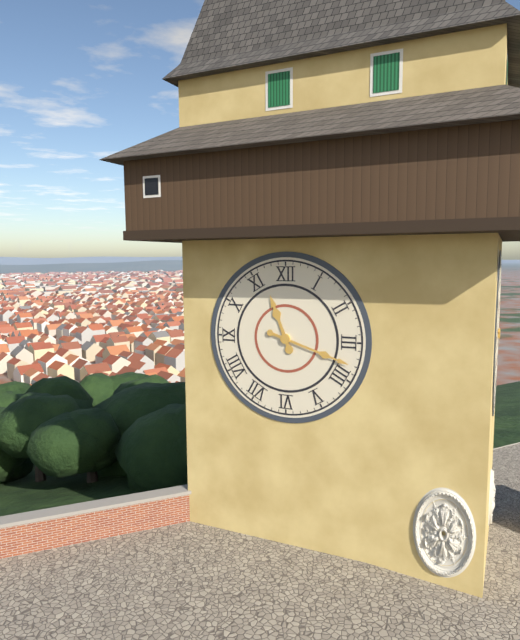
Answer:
{"hour": 11, "minute": 18}
